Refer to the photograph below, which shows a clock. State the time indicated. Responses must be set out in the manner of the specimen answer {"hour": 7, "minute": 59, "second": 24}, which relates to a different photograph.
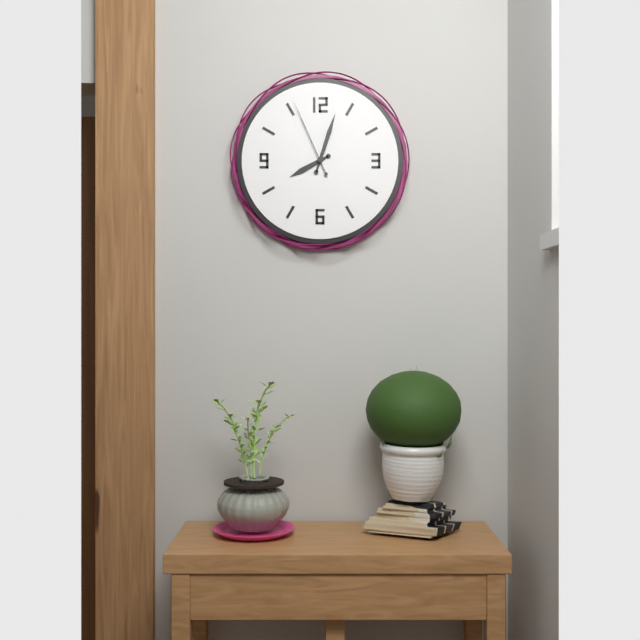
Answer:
{"hour": 8, "minute": 3, "second": 56}
